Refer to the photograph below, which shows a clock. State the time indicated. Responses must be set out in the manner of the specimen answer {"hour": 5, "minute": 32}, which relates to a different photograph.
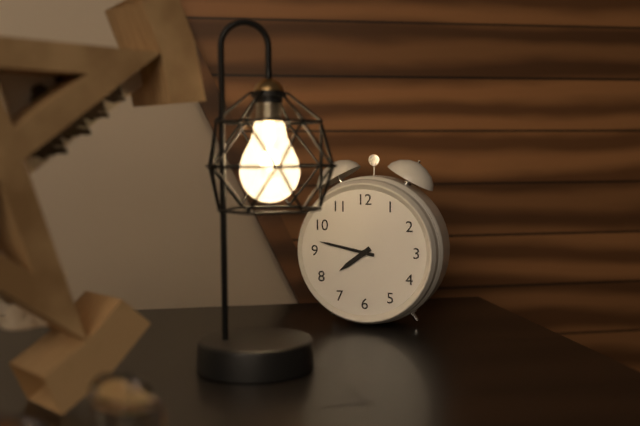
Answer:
{"hour": 7, "minute": 47}
